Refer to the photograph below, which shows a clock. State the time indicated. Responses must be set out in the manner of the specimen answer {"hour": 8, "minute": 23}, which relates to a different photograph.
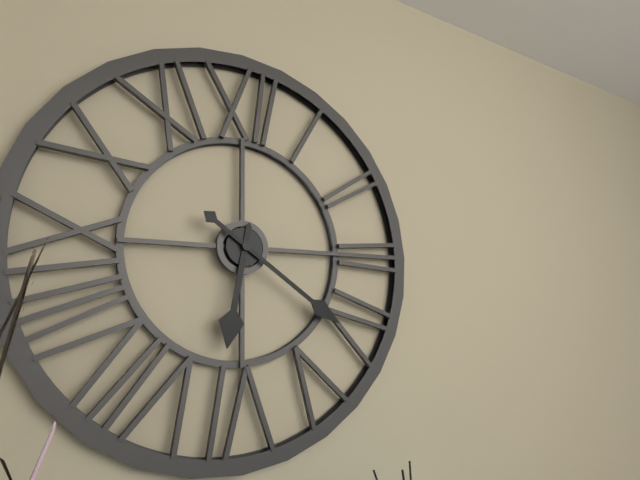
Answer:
{"hour": 6, "minute": 21}
